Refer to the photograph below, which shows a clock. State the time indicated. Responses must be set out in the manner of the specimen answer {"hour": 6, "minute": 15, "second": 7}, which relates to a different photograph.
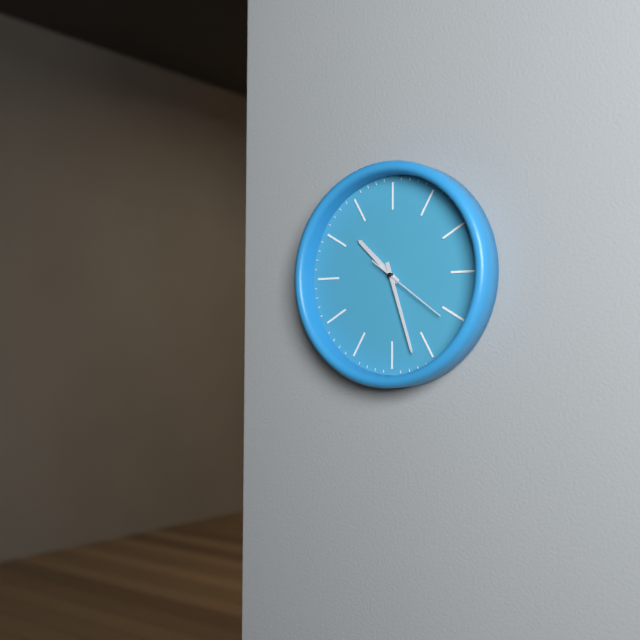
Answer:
{"hour": 10, "minute": 27, "second": 21}
